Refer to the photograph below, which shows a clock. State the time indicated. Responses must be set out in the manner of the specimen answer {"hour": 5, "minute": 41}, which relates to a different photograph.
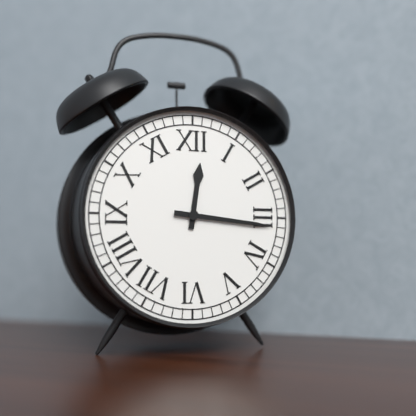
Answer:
{"hour": 12, "minute": 16}
